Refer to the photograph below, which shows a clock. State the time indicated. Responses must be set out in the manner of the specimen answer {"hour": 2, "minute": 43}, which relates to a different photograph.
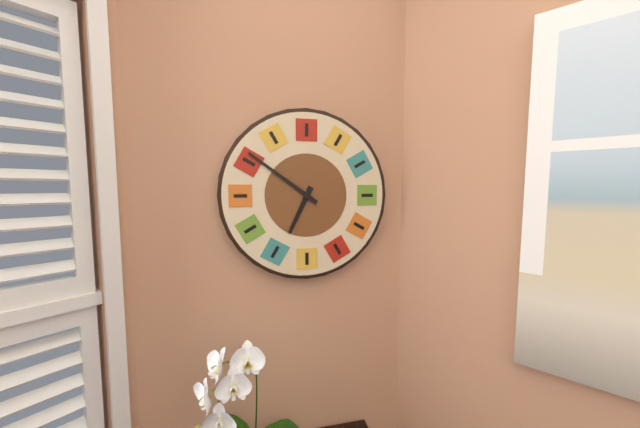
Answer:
{"hour": 6, "minute": 51}
